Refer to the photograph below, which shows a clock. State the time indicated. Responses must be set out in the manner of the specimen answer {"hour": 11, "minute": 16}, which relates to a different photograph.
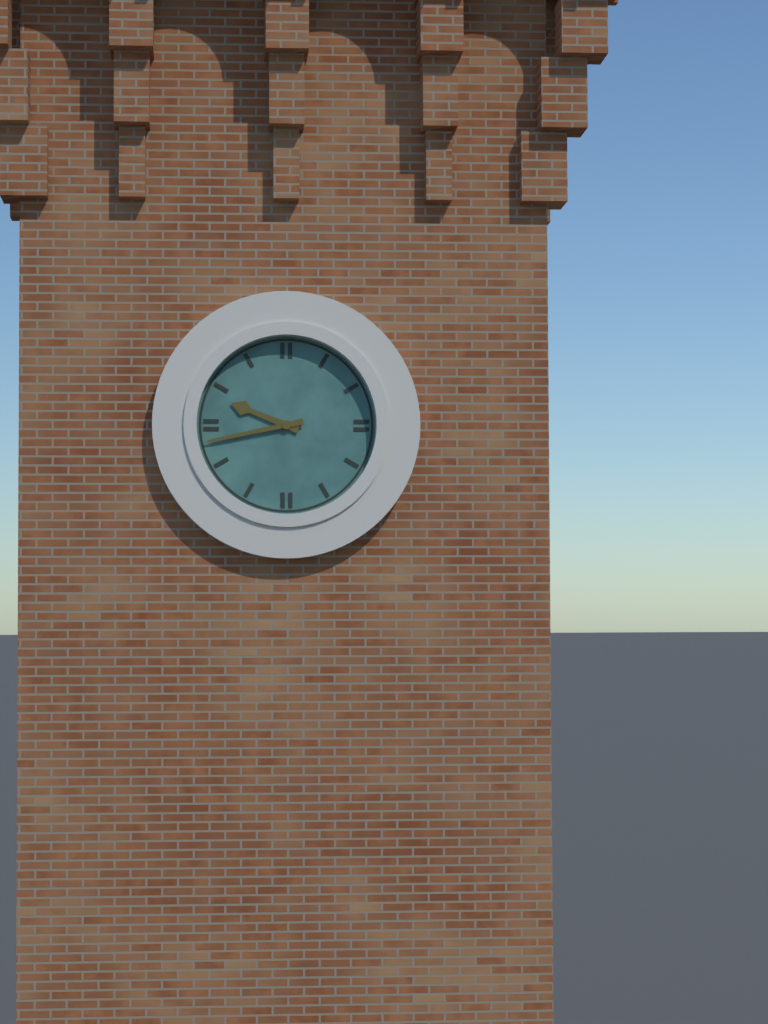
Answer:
{"hour": 9, "minute": 43}
